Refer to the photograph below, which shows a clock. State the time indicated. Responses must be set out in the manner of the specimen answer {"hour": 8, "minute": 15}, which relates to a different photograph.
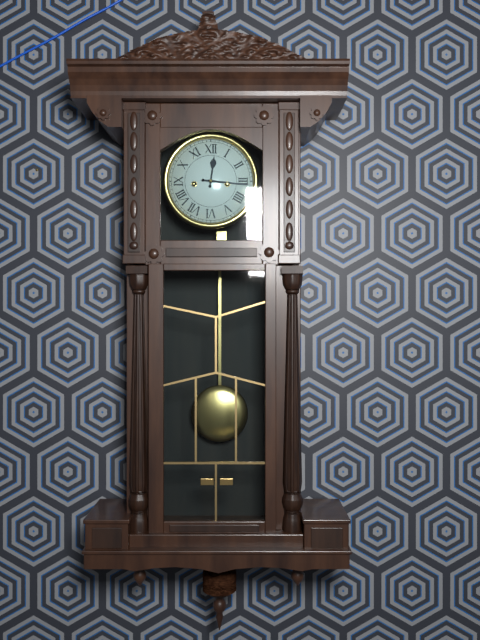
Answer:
{"hour": 12, "minute": 16}
